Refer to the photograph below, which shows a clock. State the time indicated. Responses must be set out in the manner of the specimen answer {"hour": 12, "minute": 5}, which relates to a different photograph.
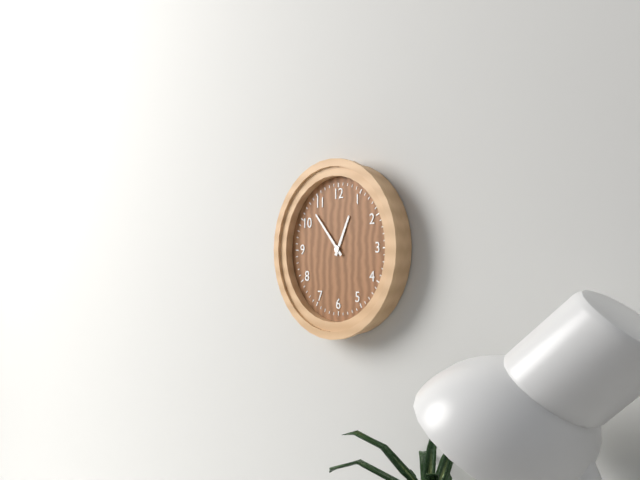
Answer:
{"hour": 12, "minute": 53}
